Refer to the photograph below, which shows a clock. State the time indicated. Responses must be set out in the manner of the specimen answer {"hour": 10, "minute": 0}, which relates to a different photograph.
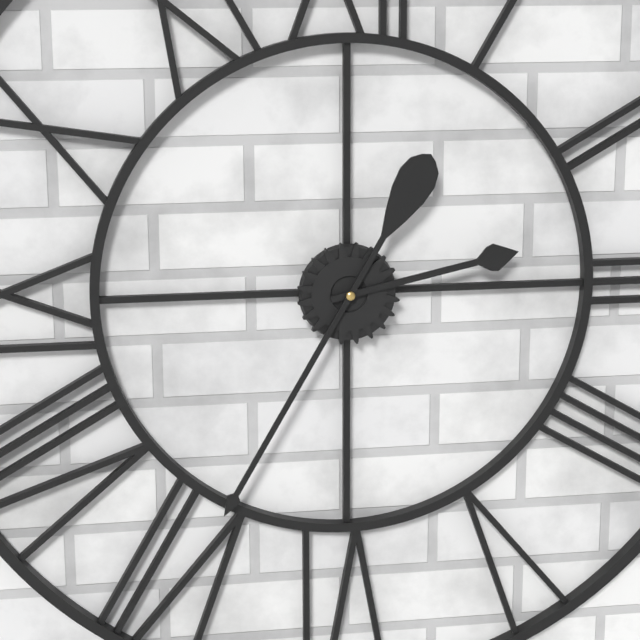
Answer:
{"hour": 2, "minute": 35}
